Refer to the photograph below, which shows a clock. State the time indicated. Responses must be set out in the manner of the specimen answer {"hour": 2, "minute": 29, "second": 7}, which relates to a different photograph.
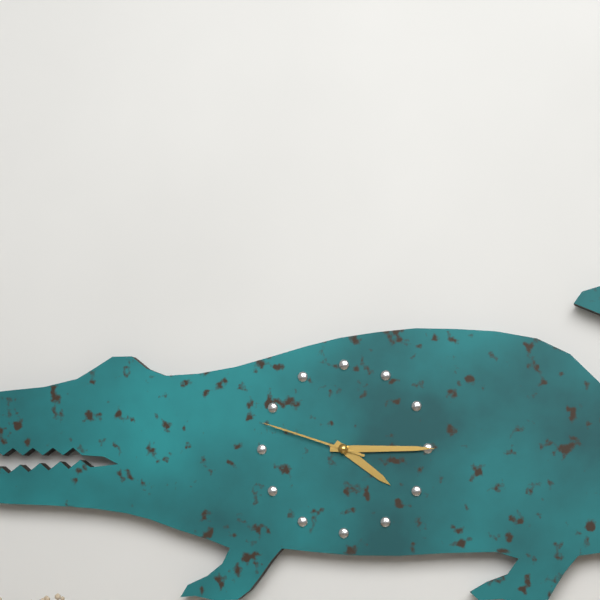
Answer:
{"hour": 4, "minute": 15, "second": 48}
